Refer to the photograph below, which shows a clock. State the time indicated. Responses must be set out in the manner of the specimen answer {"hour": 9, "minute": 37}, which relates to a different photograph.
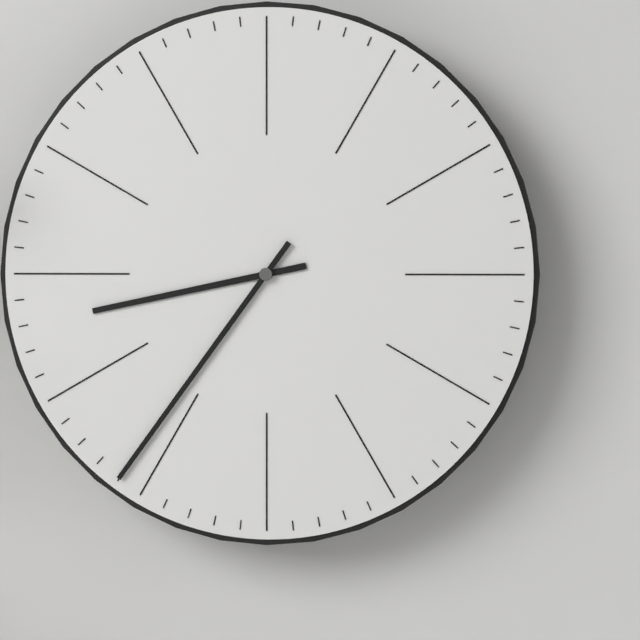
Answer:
{"hour": 8, "minute": 36}
